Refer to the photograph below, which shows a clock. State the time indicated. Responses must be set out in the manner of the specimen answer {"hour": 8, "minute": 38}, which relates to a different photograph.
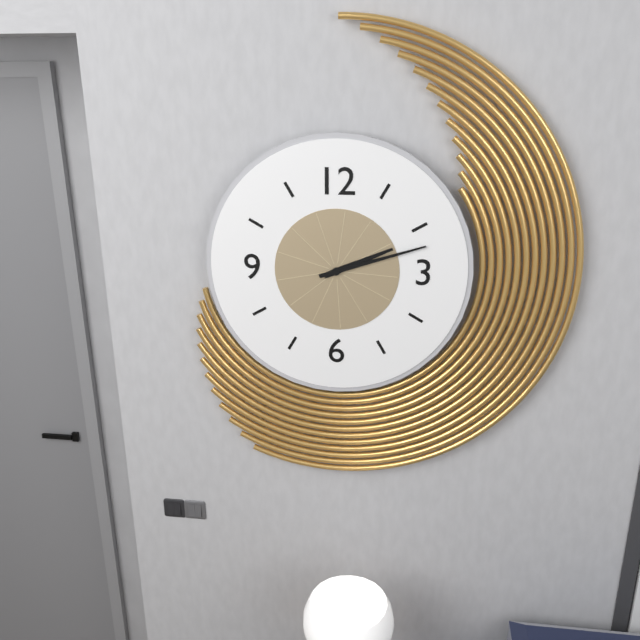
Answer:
{"hour": 2, "minute": 12}
